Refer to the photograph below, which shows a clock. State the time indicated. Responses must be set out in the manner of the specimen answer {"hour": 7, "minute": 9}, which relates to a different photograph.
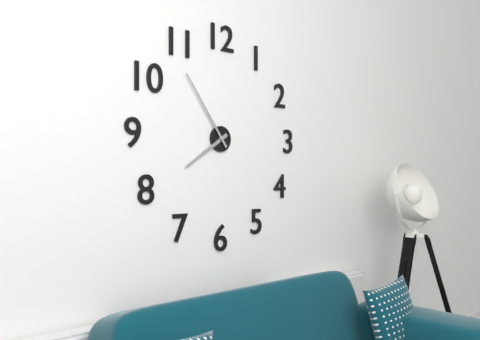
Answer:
{"hour": 7, "minute": 54}
